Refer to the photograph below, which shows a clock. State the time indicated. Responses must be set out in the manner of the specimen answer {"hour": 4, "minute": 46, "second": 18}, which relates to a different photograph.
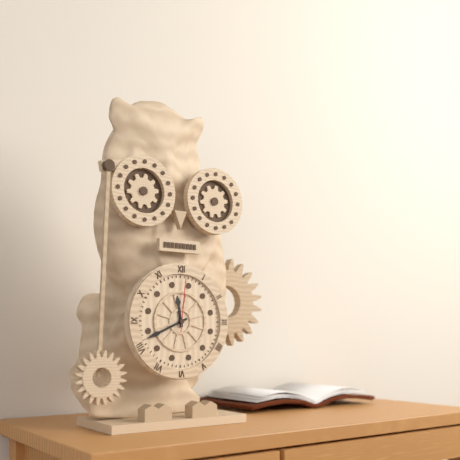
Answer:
{"hour": 11, "minute": 41, "second": 1}
